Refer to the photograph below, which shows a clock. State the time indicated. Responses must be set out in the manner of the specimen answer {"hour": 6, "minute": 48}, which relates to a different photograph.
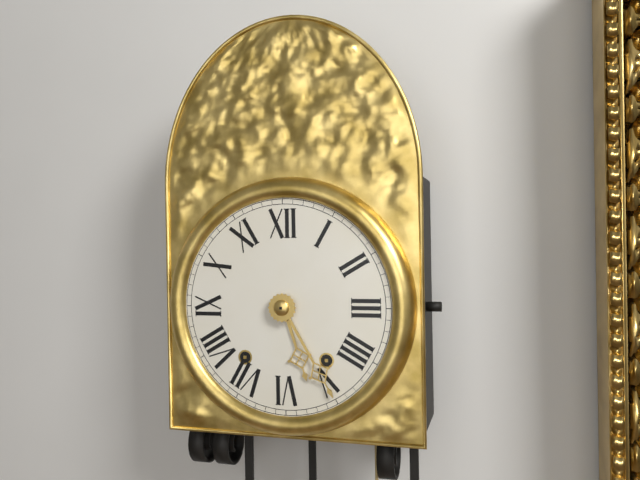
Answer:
{"hour": 5, "minute": 25}
